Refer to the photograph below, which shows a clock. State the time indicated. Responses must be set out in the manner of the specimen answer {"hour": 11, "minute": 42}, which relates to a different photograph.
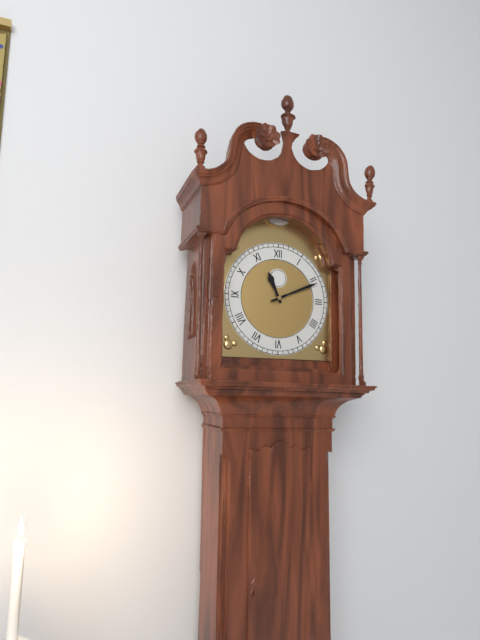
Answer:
{"hour": 11, "minute": 11}
